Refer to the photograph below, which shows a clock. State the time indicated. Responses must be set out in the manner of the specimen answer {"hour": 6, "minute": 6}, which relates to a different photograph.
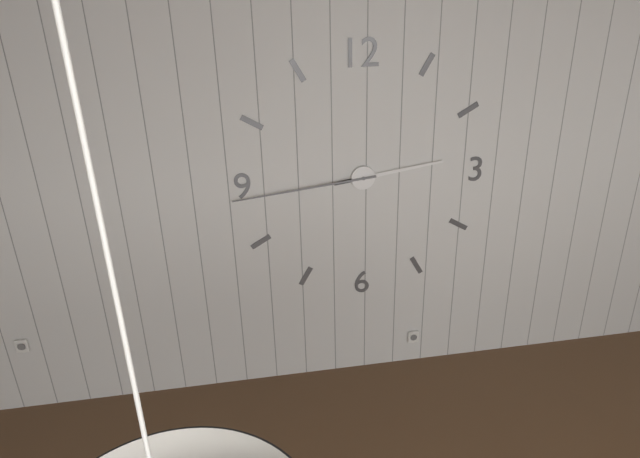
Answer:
{"hour": 2, "minute": 44}
